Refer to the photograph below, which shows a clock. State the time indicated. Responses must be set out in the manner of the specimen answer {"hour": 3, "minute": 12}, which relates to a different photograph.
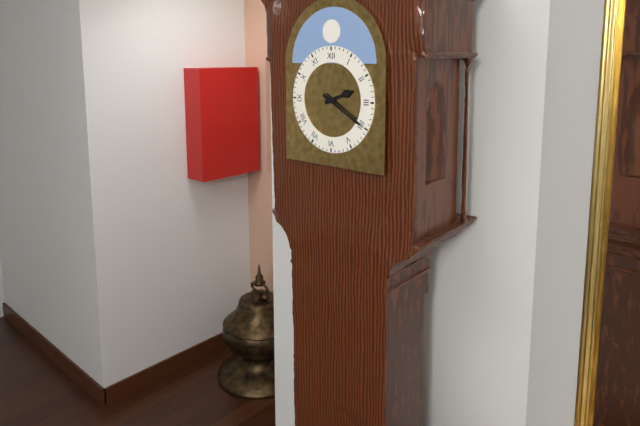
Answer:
{"hour": 2, "minute": 20}
